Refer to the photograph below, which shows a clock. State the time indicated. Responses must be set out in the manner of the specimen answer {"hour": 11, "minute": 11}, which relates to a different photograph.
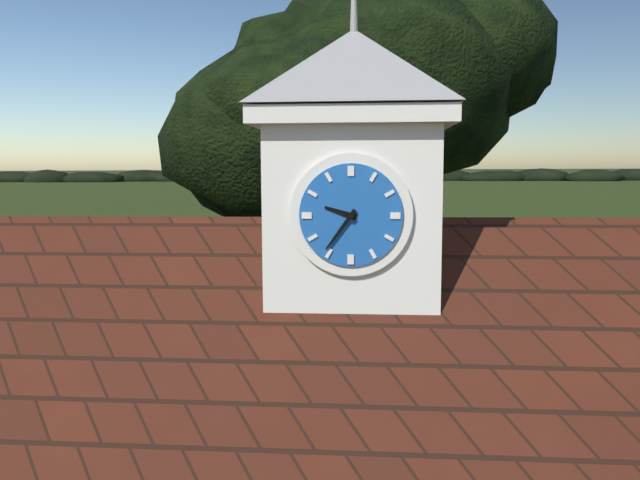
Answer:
{"hour": 9, "minute": 36}
